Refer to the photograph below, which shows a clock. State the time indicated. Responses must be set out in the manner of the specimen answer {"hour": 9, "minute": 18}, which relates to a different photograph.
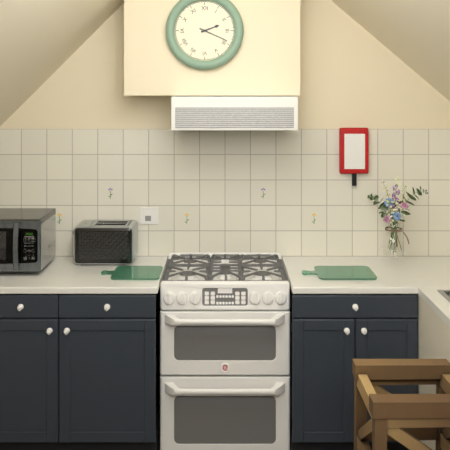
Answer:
{"hour": 2, "minute": 19}
